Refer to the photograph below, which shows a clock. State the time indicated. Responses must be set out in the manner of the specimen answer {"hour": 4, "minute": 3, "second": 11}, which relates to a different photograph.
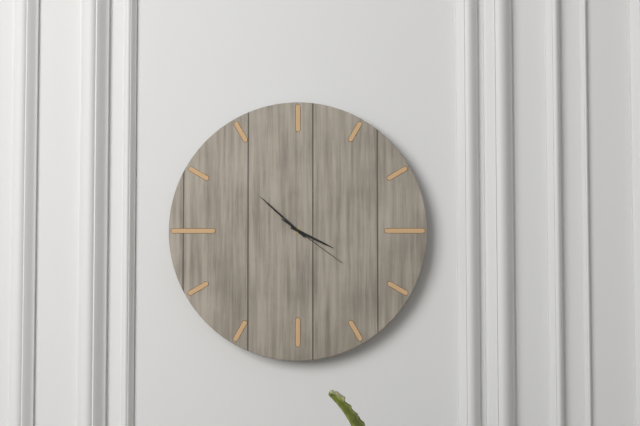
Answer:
{"hour": 3, "minute": 52, "second": 21}
